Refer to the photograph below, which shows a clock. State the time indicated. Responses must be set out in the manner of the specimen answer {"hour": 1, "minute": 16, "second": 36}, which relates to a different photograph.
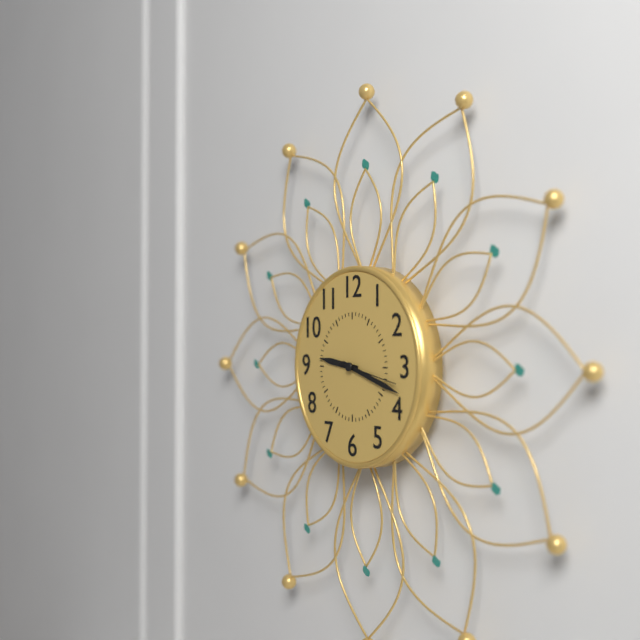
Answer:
{"hour": 9, "minute": 18, "second": 17}
